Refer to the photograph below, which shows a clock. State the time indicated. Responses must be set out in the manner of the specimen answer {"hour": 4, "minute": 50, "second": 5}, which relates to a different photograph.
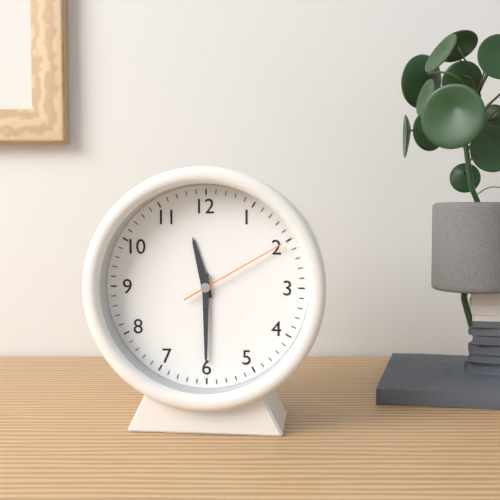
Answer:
{"hour": 11, "minute": 30, "second": 10}
